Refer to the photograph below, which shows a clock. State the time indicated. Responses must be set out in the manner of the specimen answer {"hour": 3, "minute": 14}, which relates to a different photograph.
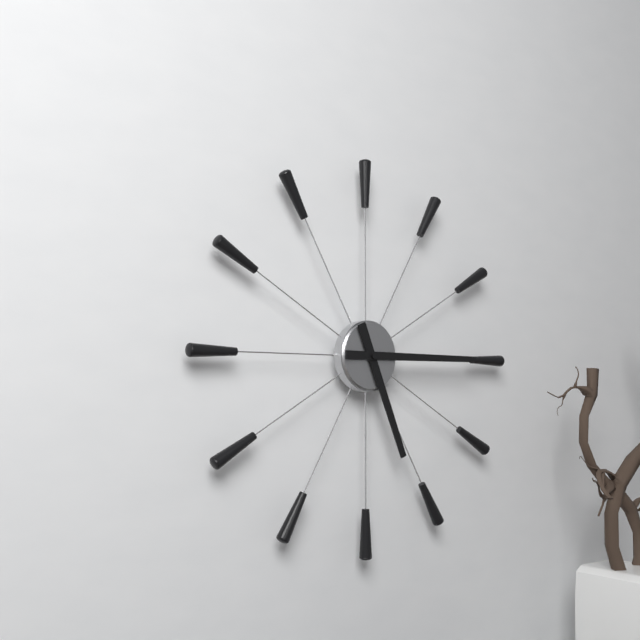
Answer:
{"hour": 5, "minute": 15}
